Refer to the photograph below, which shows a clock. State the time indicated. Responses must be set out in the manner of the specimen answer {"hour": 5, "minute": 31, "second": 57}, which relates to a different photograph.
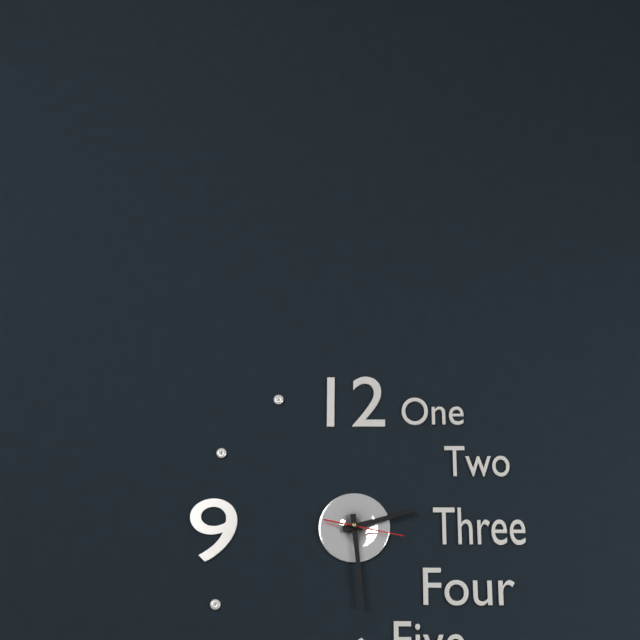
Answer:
{"hour": 2, "minute": 29, "second": 17}
